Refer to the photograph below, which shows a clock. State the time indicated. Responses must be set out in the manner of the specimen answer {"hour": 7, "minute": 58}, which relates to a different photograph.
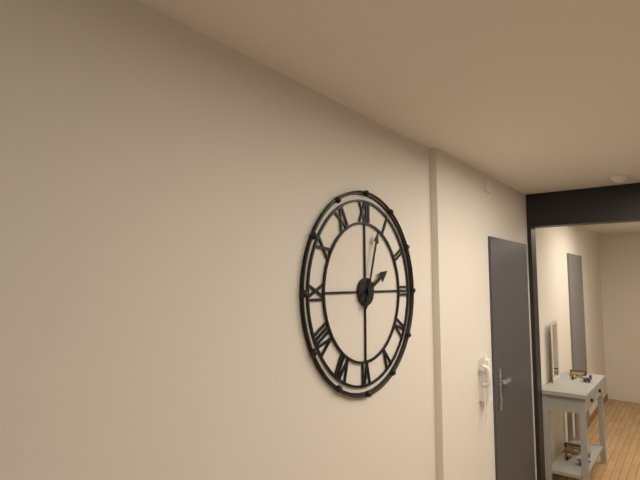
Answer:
{"hour": 2, "minute": 3}
